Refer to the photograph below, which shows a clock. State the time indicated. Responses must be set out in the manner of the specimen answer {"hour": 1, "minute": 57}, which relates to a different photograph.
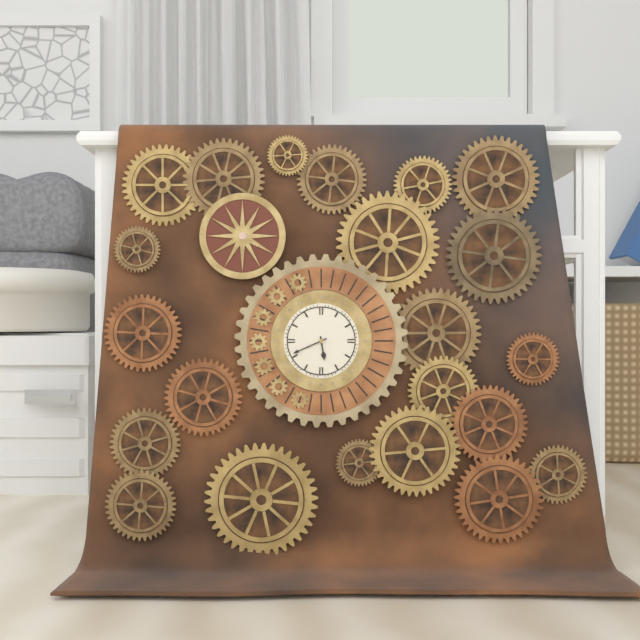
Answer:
{"hour": 5, "minute": 41}
